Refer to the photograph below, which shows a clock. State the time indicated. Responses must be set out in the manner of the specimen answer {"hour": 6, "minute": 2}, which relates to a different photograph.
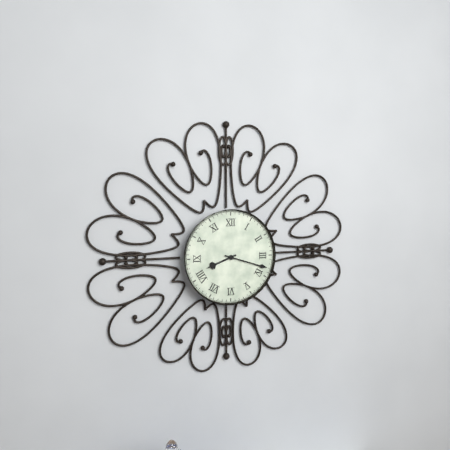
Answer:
{"hour": 8, "minute": 18}
